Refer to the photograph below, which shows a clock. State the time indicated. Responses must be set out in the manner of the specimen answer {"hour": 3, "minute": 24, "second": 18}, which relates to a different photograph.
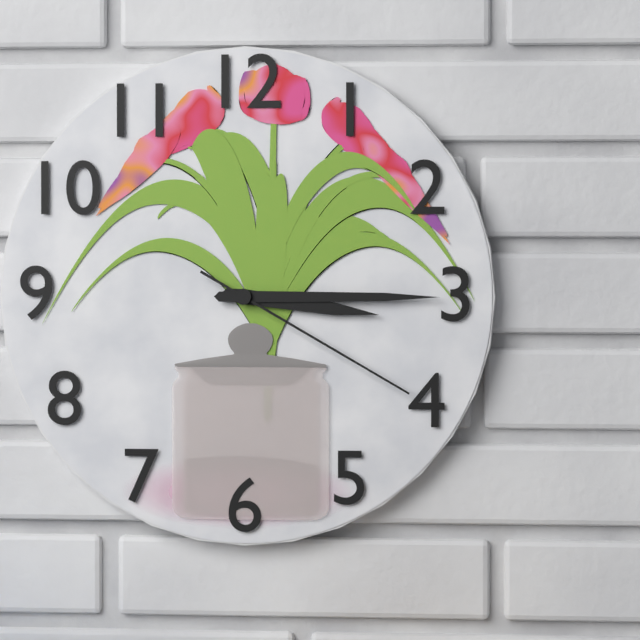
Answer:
{"hour": 3, "minute": 15, "second": 20}
